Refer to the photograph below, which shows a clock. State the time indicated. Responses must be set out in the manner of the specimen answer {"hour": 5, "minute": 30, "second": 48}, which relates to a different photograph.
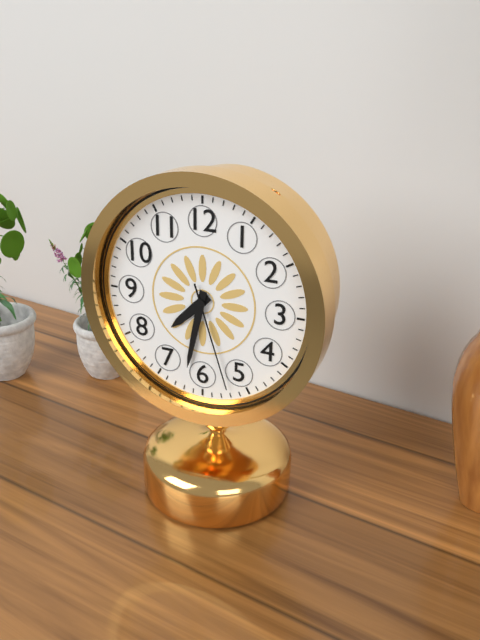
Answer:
{"hour": 7, "minute": 32, "second": 27}
